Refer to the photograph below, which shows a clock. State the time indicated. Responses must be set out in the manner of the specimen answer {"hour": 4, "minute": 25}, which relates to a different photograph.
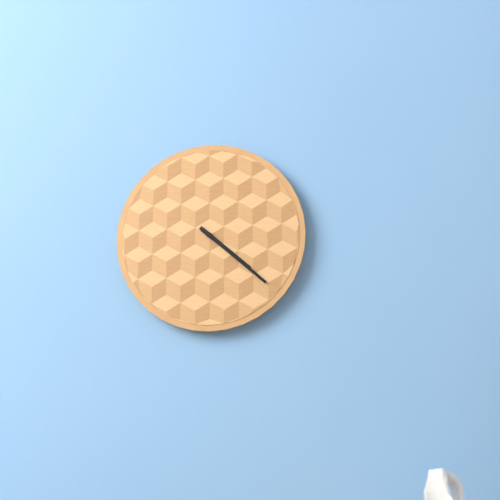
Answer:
{"hour": 4, "minute": 22}
